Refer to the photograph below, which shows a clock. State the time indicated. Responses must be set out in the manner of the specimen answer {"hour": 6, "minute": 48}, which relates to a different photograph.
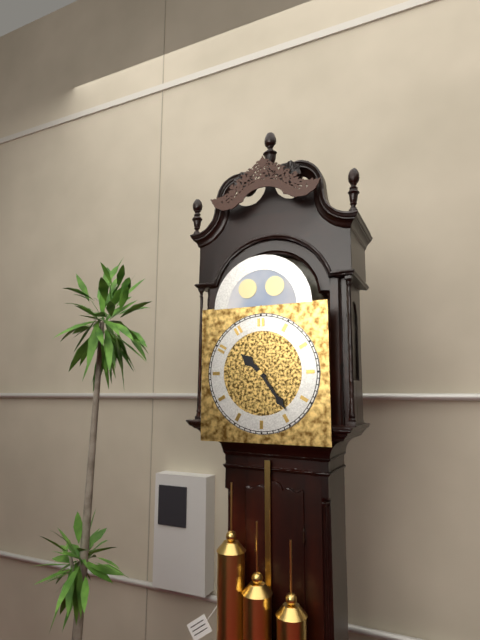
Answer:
{"hour": 10, "minute": 24}
